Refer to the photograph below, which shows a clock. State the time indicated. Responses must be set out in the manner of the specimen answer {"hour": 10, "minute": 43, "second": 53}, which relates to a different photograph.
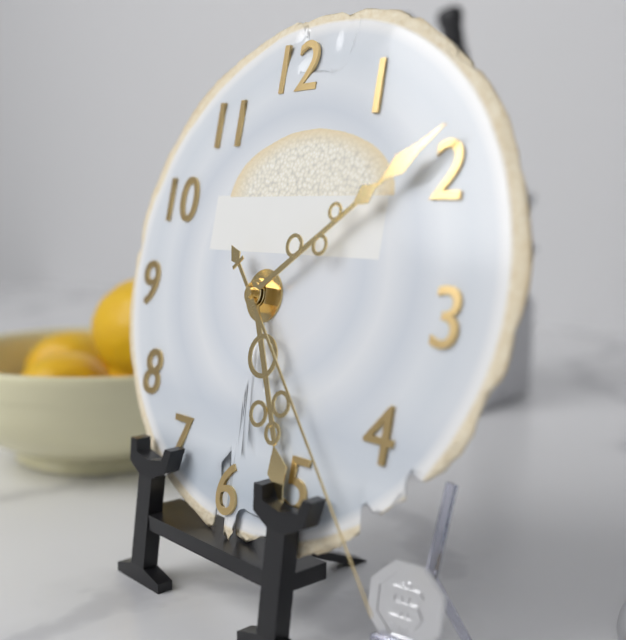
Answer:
{"hour": 5, "minute": 9, "second": 23}
